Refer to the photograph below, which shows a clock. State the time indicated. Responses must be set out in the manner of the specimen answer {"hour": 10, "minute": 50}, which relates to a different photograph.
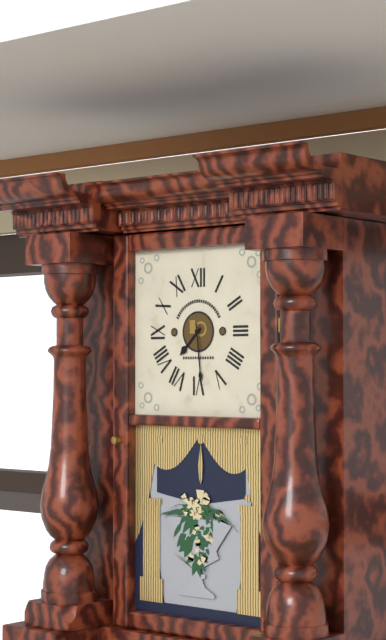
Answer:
{"hour": 7, "minute": 29}
